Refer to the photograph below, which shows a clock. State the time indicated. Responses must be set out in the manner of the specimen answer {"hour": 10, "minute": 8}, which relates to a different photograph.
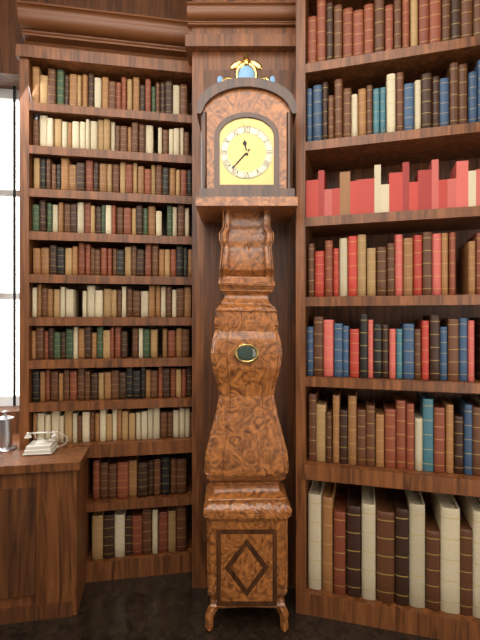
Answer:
{"hour": 11, "minute": 37}
